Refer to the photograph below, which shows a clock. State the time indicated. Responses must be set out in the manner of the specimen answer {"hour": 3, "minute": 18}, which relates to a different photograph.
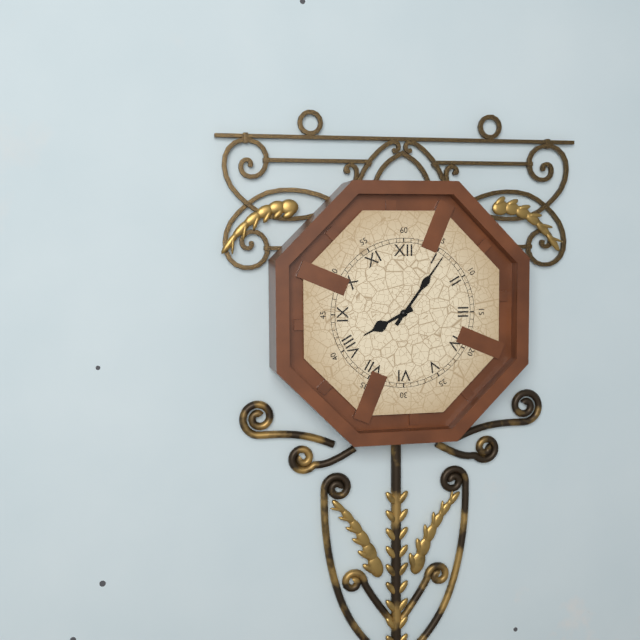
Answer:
{"hour": 8, "minute": 6}
